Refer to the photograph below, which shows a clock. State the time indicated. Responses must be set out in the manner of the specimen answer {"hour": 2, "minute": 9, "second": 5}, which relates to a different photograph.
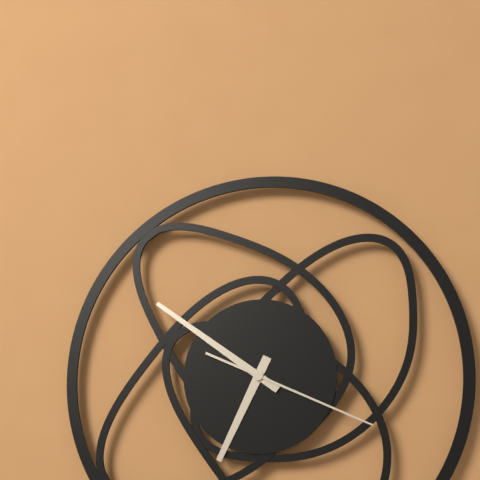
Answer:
{"hour": 6, "minute": 51, "second": 19}
